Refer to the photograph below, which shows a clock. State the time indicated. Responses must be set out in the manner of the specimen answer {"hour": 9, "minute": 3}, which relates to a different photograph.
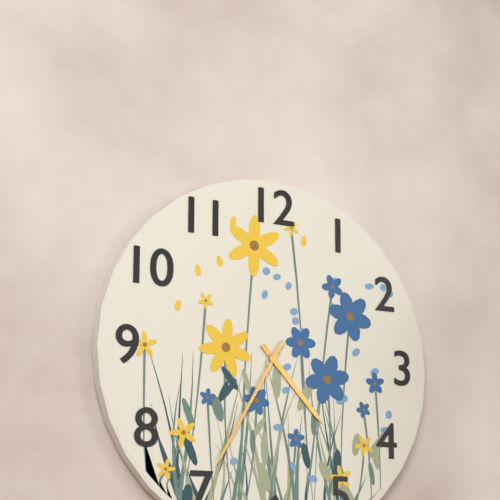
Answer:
{"hour": 4, "minute": 35}
